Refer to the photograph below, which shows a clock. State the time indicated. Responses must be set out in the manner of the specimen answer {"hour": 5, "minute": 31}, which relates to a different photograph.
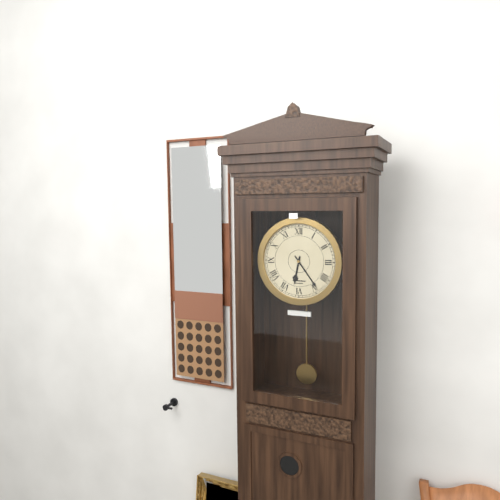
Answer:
{"hour": 6, "minute": 24}
